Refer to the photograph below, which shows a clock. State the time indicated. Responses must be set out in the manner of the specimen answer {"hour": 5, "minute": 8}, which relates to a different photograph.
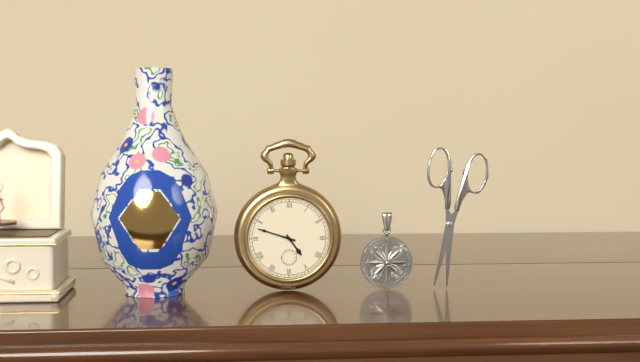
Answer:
{"hour": 4, "minute": 48}
